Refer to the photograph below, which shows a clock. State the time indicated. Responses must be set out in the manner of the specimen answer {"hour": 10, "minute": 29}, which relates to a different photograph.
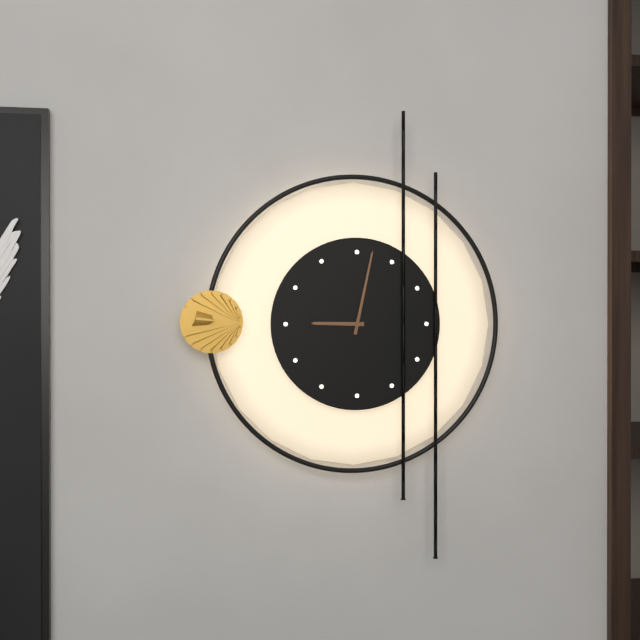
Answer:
{"hour": 9, "minute": 2}
